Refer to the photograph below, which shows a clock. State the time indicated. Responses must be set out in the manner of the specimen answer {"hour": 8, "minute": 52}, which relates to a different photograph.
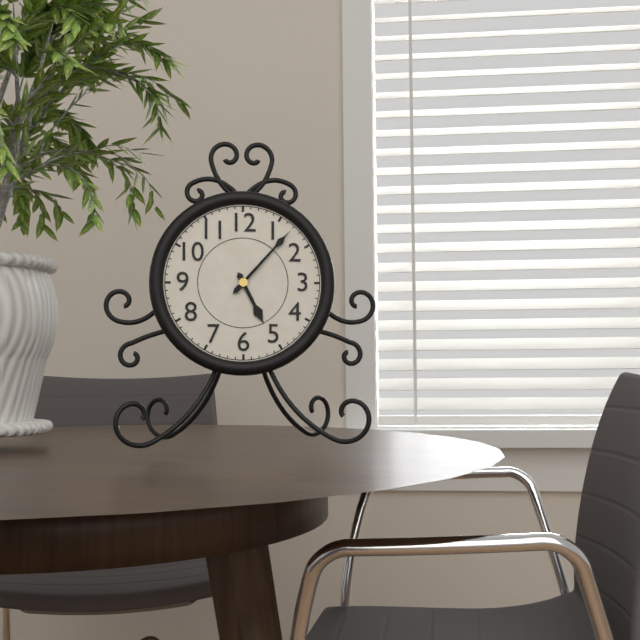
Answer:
{"hour": 5, "minute": 7}
